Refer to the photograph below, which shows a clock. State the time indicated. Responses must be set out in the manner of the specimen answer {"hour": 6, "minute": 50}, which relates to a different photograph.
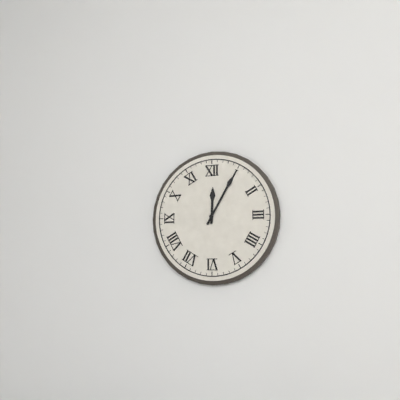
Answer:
{"hour": 12, "minute": 5}
